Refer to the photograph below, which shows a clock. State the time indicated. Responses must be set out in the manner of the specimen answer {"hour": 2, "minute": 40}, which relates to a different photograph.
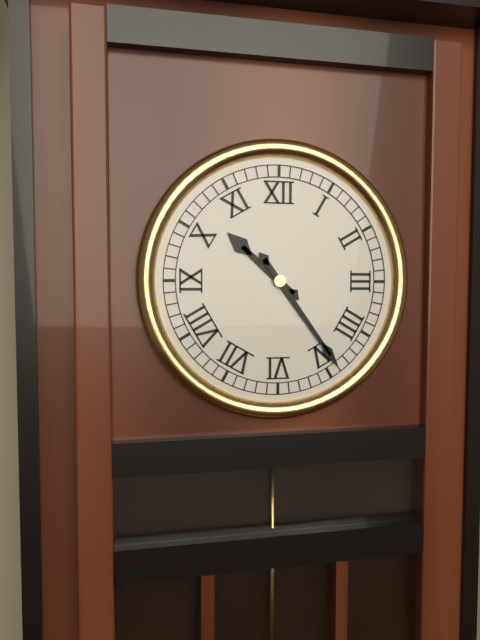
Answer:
{"hour": 10, "minute": 24}
